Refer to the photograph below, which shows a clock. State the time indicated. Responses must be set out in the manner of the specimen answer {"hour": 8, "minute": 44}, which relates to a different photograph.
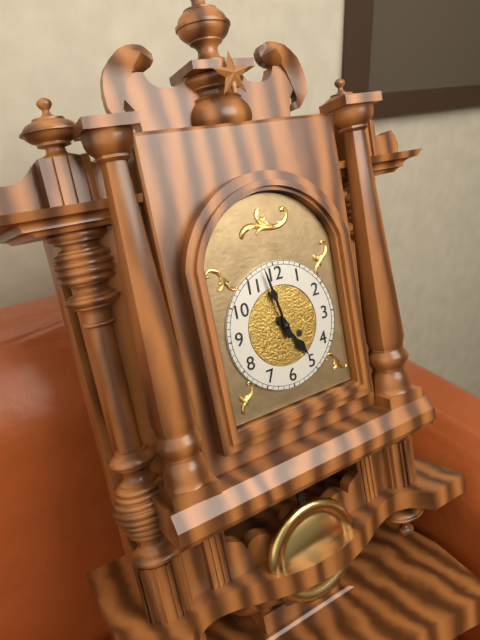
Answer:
{"hour": 4, "minute": 58}
